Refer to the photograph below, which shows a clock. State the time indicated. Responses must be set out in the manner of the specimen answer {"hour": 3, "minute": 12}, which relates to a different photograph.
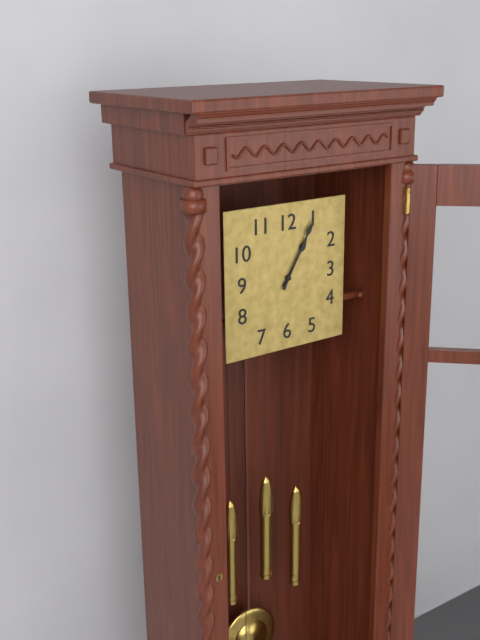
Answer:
{"hour": 1, "minute": 5}
